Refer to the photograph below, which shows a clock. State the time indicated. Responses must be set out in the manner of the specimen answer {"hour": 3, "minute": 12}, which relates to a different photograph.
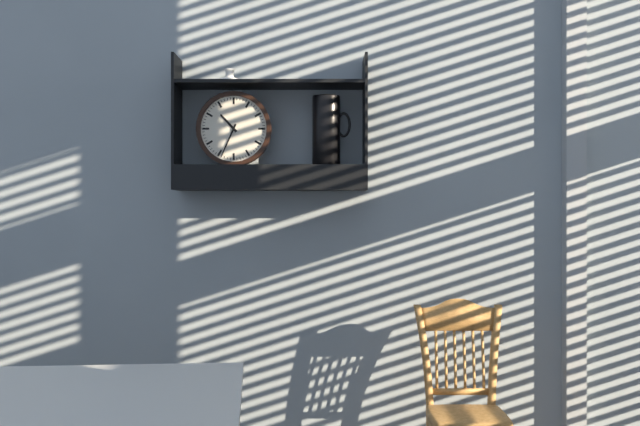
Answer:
{"hour": 10, "minute": 34}
